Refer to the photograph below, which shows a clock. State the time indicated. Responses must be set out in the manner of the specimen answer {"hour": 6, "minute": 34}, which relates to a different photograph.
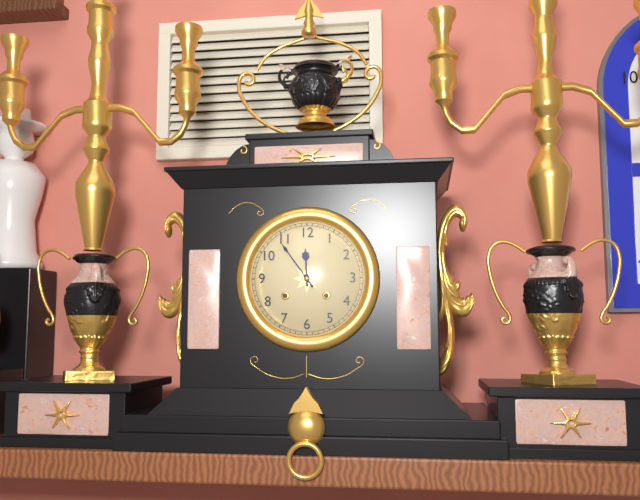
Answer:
{"hour": 11, "minute": 54}
